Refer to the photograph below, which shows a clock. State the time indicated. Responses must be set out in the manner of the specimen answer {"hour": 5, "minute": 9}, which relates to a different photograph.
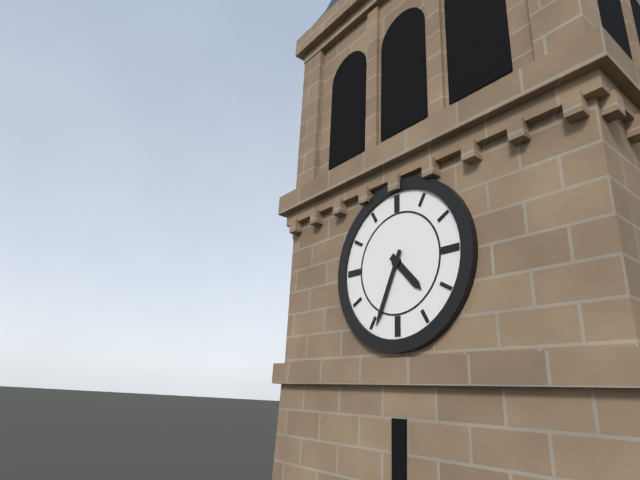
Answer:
{"hour": 4, "minute": 34}
